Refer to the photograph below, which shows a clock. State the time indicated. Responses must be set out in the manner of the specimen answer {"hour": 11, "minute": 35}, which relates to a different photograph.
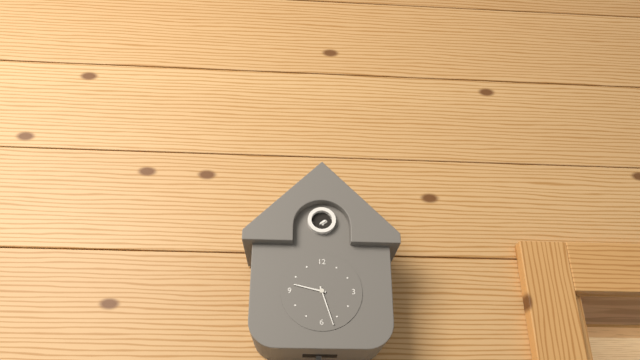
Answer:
{"hour": 9, "minute": 27}
